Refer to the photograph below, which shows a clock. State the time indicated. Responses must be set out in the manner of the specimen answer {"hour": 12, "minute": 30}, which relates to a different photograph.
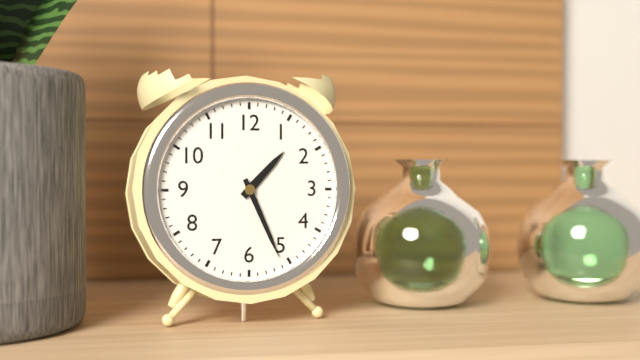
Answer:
{"hour": 1, "minute": 26}
